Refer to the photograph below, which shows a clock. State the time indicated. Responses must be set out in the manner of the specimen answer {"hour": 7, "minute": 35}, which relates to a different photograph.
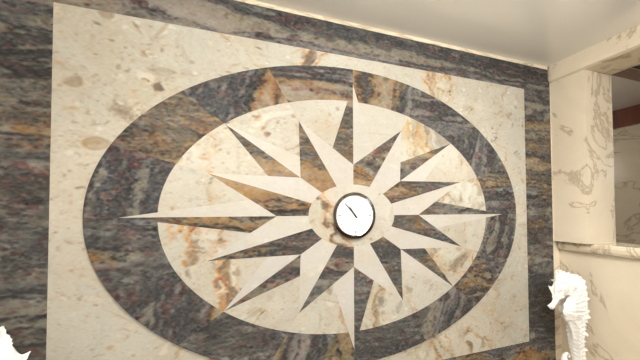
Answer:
{"hour": 10, "minute": 53}
